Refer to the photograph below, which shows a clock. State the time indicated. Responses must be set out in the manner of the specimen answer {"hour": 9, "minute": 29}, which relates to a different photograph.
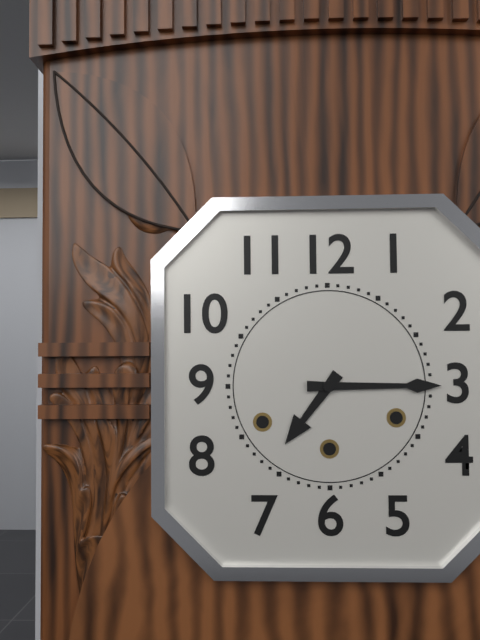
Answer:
{"hour": 7, "minute": 15}
